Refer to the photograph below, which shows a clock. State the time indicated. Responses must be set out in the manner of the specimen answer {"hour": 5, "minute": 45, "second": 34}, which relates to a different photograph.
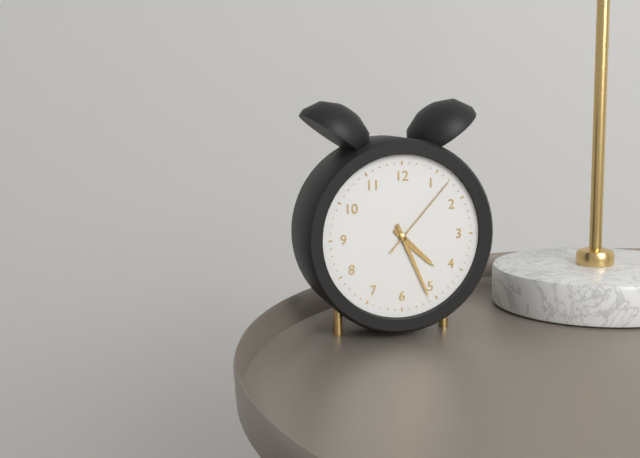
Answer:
{"hour": 4, "minute": 26, "second": 7}
